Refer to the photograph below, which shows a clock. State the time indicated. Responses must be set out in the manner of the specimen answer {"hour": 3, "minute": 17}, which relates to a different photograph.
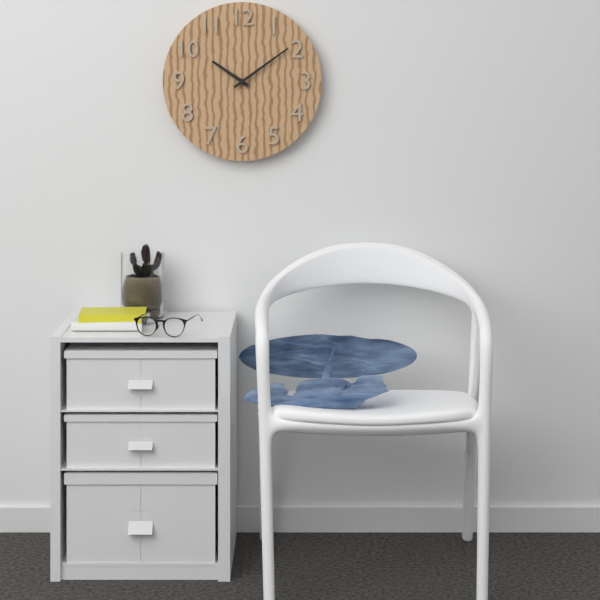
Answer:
{"hour": 10, "minute": 9}
